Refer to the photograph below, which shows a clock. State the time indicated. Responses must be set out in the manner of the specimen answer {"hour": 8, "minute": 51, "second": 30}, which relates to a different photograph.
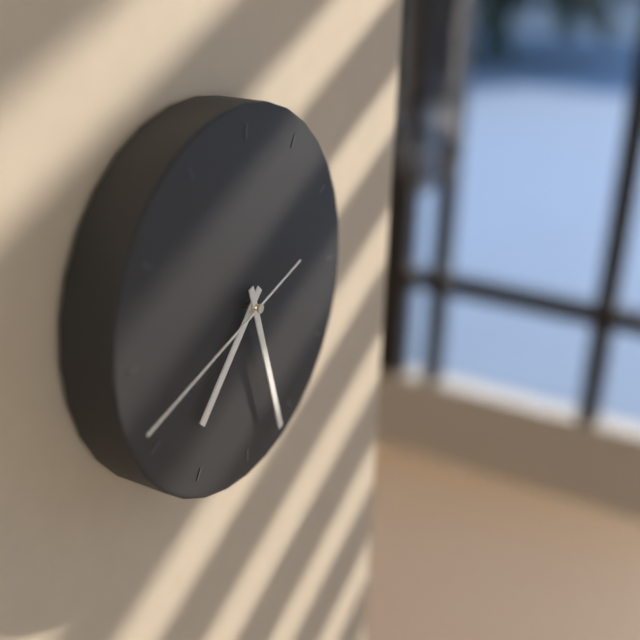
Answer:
{"hour": 7, "minute": 27, "second": 42}
